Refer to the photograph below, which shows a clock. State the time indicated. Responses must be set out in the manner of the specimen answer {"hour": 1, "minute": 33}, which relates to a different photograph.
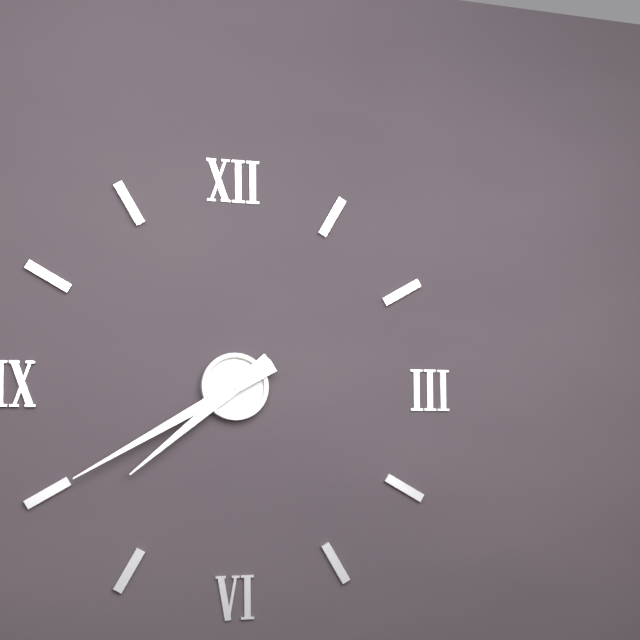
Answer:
{"hour": 7, "minute": 40}
